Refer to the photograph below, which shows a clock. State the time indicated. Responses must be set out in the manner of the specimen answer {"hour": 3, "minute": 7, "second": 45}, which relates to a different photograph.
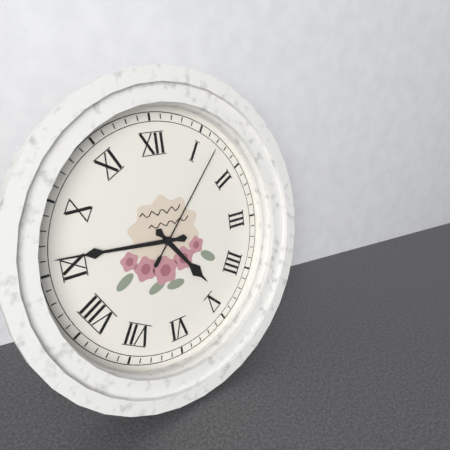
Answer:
{"hour": 4, "minute": 46, "second": 7}
